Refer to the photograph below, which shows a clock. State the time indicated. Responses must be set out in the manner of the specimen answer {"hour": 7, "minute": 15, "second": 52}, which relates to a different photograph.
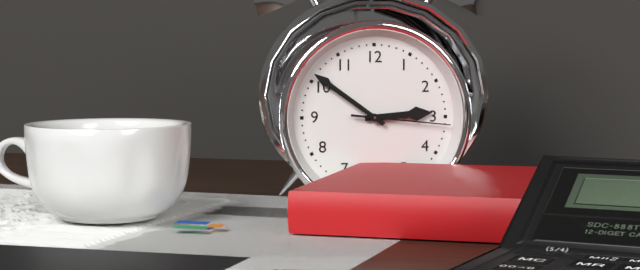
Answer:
{"hour": 2, "minute": 51, "second": 16}
